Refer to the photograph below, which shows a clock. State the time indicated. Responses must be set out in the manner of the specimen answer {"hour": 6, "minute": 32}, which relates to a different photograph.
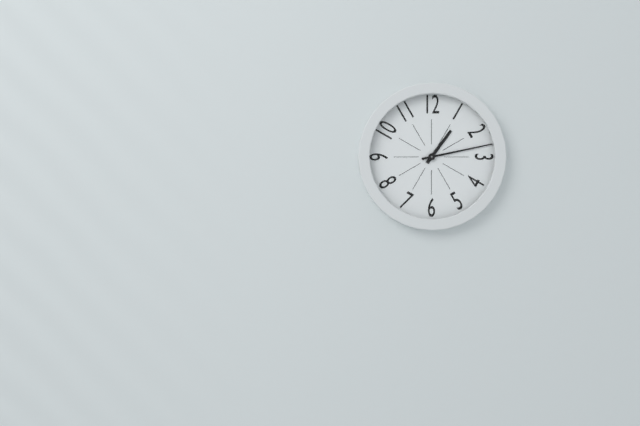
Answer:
{"hour": 1, "minute": 13}
